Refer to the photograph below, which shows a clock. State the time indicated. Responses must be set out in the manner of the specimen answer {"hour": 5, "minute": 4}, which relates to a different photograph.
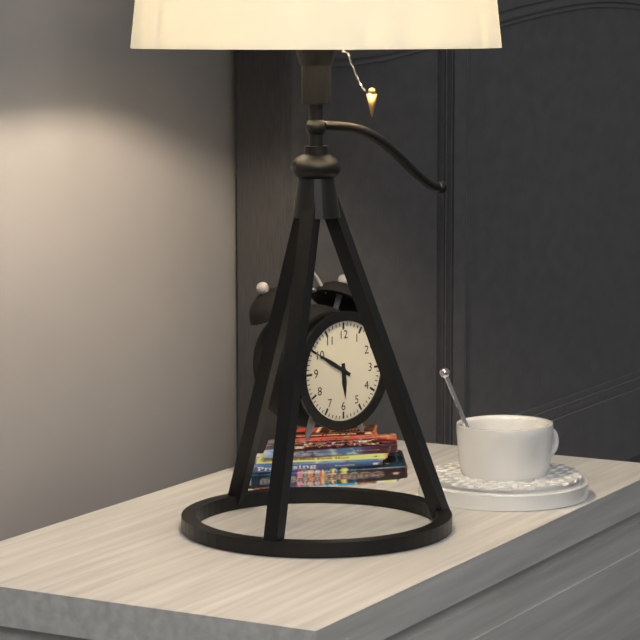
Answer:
{"hour": 5, "minute": 50}
